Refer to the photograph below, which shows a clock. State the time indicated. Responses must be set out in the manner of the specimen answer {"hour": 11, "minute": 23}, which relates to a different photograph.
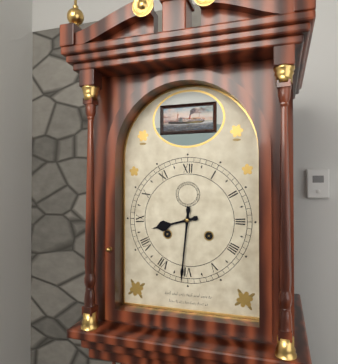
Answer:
{"hour": 8, "minute": 31}
